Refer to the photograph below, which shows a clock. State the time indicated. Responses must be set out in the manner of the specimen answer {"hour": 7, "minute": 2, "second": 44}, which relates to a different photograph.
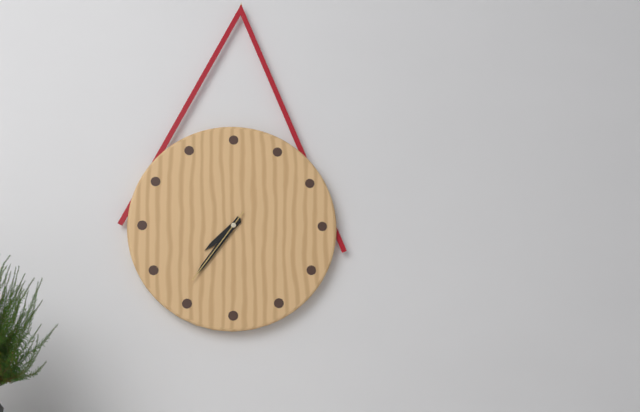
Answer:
{"hour": 7, "minute": 36, "second": 36}
